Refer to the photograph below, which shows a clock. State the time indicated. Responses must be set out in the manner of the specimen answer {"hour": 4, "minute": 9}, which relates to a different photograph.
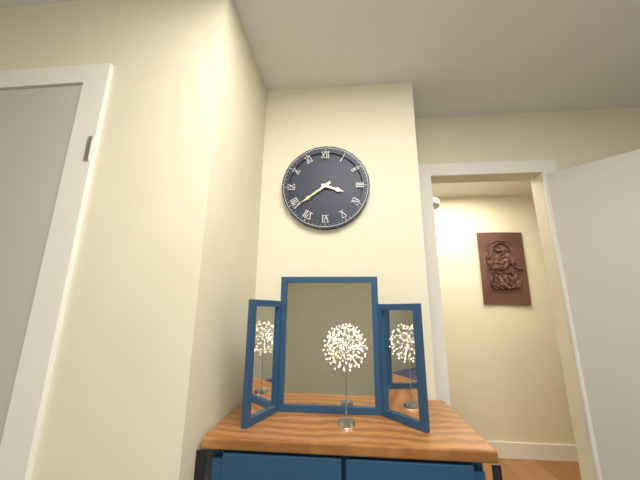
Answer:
{"hour": 3, "minute": 39}
